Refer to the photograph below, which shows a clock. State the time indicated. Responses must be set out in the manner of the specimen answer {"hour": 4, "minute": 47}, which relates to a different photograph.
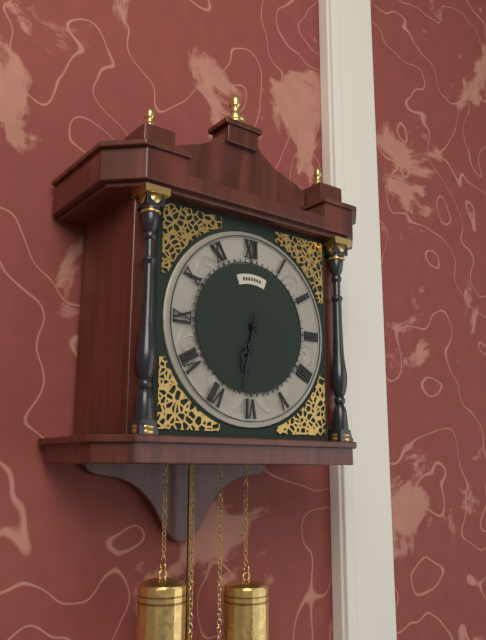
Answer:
{"hour": 6, "minute": 32}
